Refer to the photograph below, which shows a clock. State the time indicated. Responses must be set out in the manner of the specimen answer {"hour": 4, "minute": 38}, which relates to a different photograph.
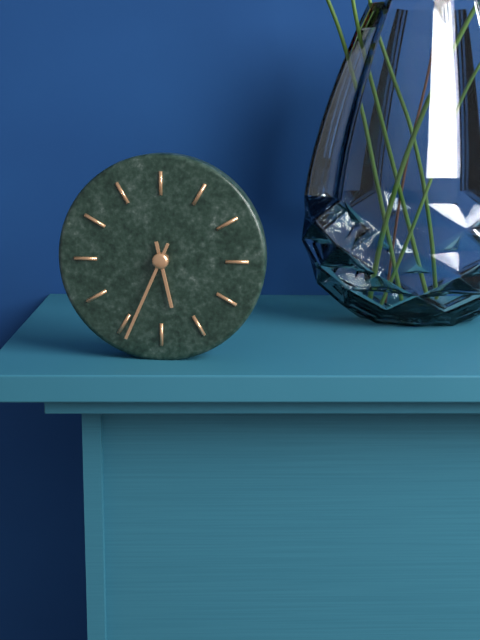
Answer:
{"hour": 5, "minute": 34}
